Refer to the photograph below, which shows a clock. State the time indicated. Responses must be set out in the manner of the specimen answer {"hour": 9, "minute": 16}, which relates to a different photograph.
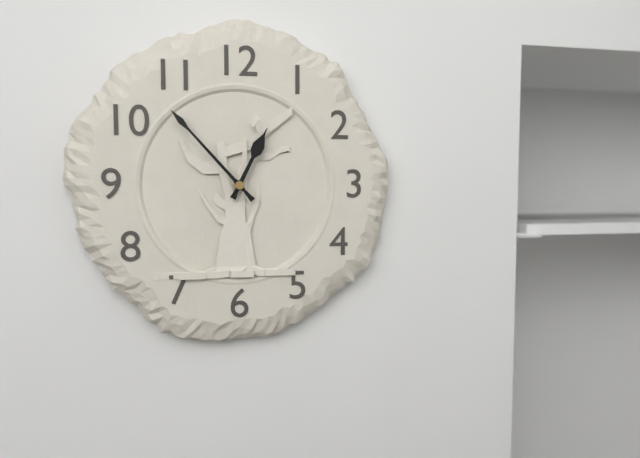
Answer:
{"hour": 12, "minute": 53}
